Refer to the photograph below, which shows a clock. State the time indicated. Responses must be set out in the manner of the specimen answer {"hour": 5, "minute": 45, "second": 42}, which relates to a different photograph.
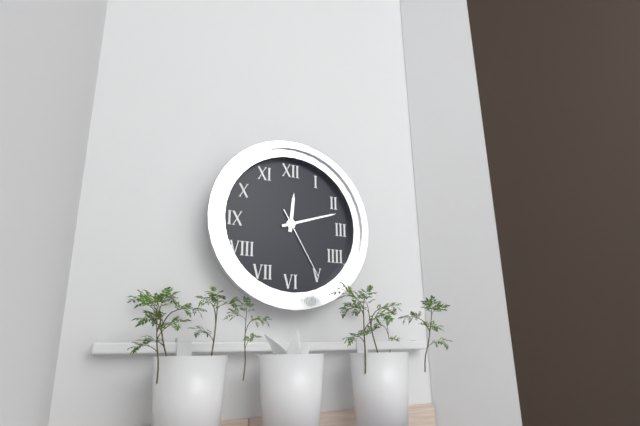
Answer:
{"hour": 12, "minute": 12, "second": 25}
